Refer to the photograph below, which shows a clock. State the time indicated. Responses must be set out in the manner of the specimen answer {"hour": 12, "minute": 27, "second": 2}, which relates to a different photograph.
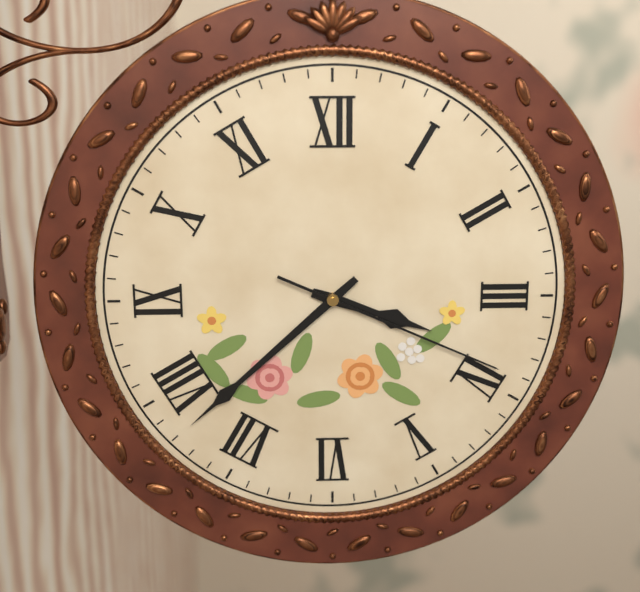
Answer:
{"hour": 3, "minute": 38, "second": 19}
